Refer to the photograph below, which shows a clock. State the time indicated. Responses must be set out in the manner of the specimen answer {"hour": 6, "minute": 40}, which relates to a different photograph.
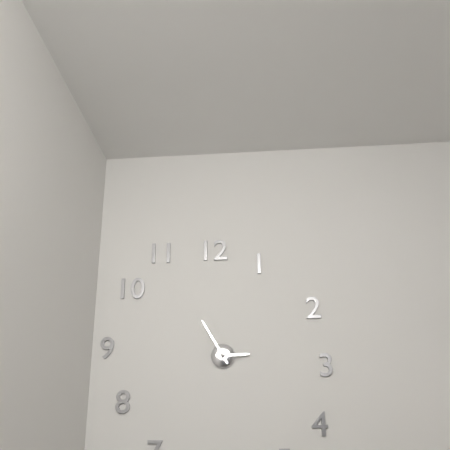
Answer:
{"hour": 2, "minute": 55}
